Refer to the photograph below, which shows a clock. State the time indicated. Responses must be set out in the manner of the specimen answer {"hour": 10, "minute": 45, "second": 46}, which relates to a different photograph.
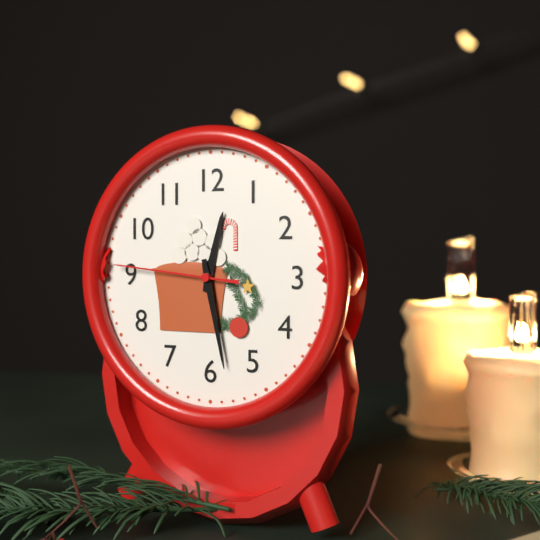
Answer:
{"hour": 12, "minute": 28, "second": 46}
